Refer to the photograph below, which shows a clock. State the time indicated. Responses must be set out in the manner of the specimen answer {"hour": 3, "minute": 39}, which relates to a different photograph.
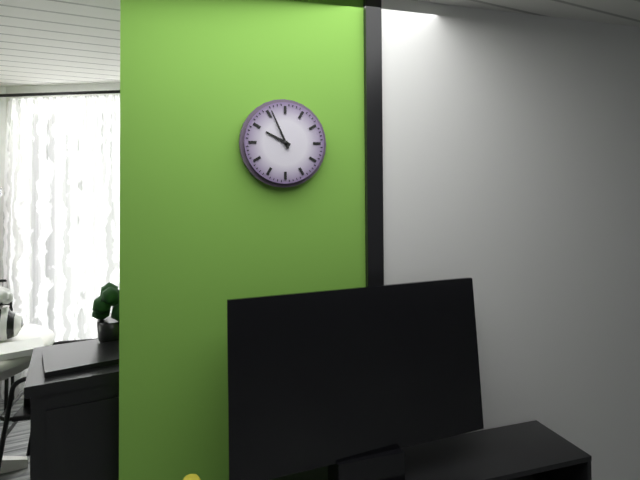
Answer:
{"hour": 9, "minute": 56}
